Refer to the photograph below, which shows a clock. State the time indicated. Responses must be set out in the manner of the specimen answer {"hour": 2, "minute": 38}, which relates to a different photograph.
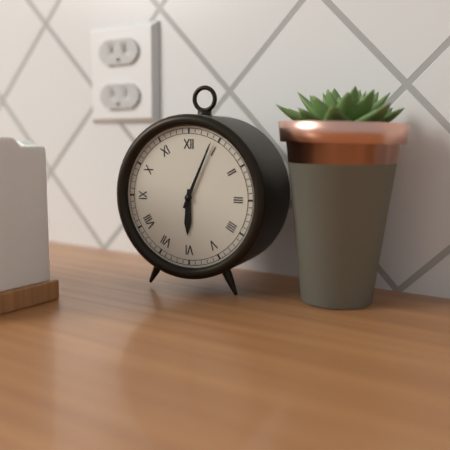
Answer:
{"hour": 6, "minute": 4}
